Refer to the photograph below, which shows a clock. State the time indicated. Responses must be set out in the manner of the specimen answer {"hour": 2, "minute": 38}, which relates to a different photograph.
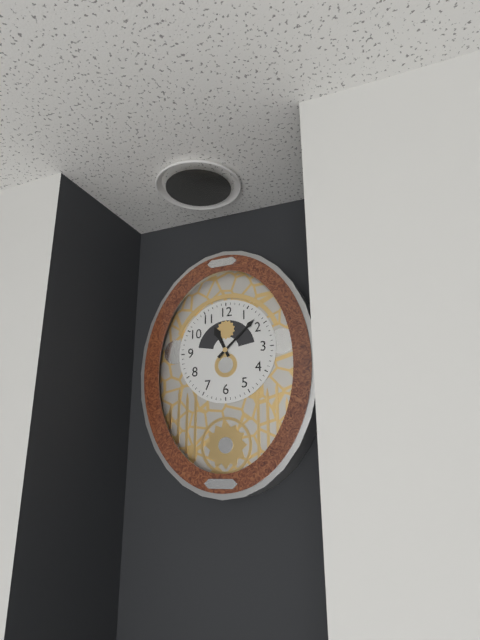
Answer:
{"hour": 11, "minute": 8}
